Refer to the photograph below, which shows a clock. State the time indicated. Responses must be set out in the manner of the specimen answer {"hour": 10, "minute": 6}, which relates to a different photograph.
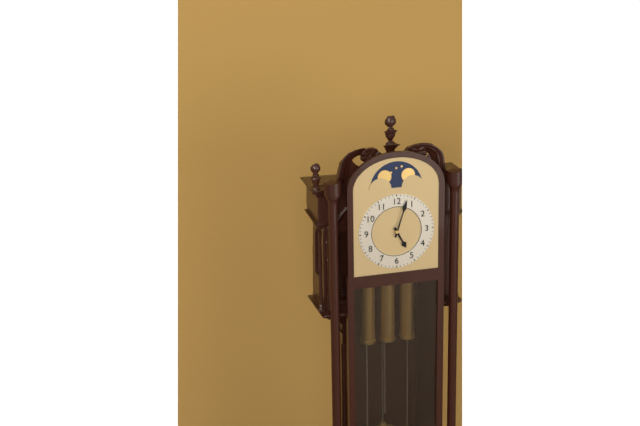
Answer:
{"hour": 5, "minute": 3}
